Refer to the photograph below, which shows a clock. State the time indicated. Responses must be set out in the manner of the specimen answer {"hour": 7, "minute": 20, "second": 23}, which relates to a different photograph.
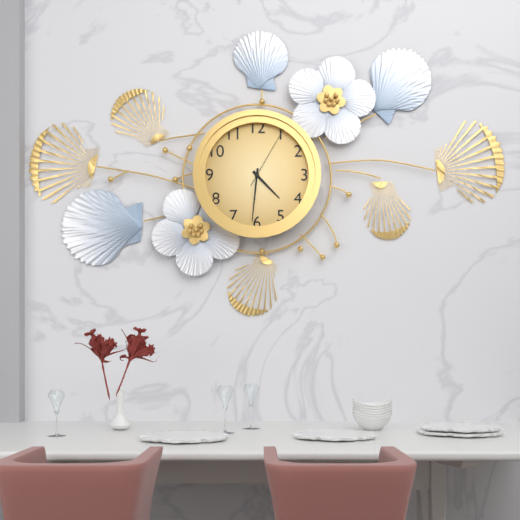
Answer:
{"hour": 4, "minute": 31, "second": 5}
